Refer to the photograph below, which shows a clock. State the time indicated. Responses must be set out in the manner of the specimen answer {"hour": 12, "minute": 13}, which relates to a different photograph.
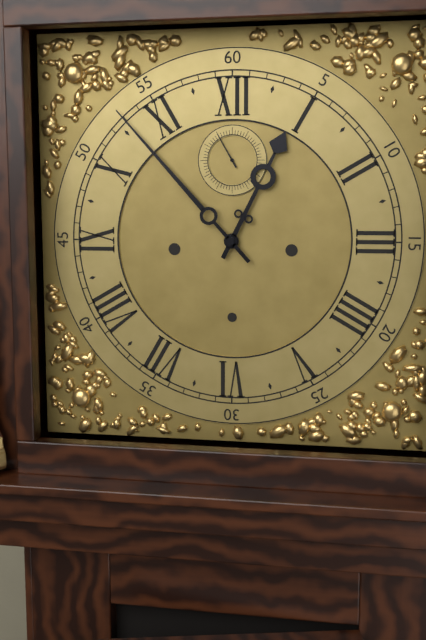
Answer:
{"hour": 12, "minute": 53}
